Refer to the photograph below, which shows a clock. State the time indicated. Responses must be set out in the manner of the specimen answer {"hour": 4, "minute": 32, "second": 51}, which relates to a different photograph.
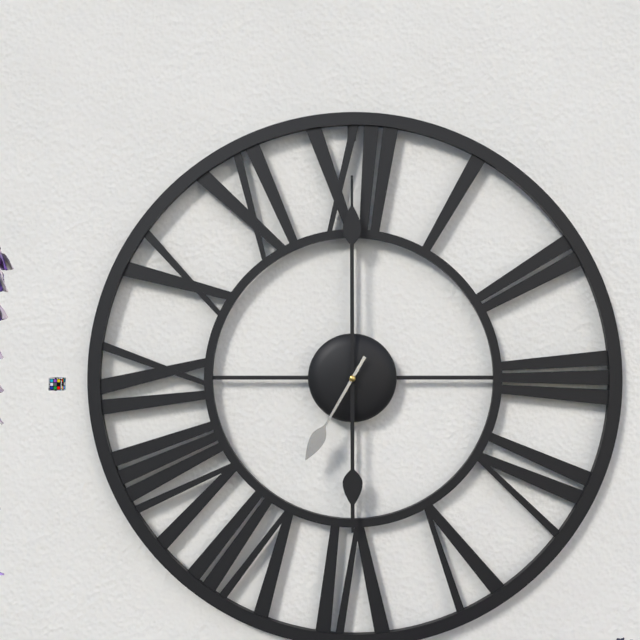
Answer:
{"hour": 6, "minute": 0, "second": 35}
